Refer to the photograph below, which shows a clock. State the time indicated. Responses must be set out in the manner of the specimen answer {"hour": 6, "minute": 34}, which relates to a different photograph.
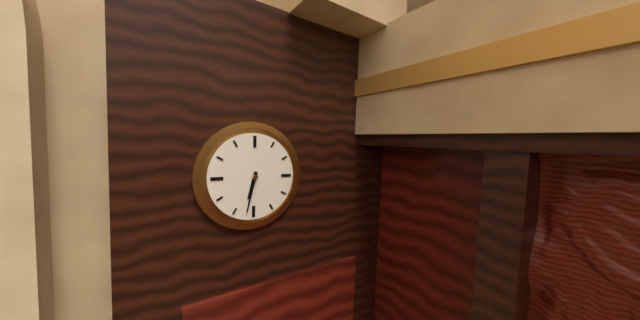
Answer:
{"hour": 6, "minute": 32}
